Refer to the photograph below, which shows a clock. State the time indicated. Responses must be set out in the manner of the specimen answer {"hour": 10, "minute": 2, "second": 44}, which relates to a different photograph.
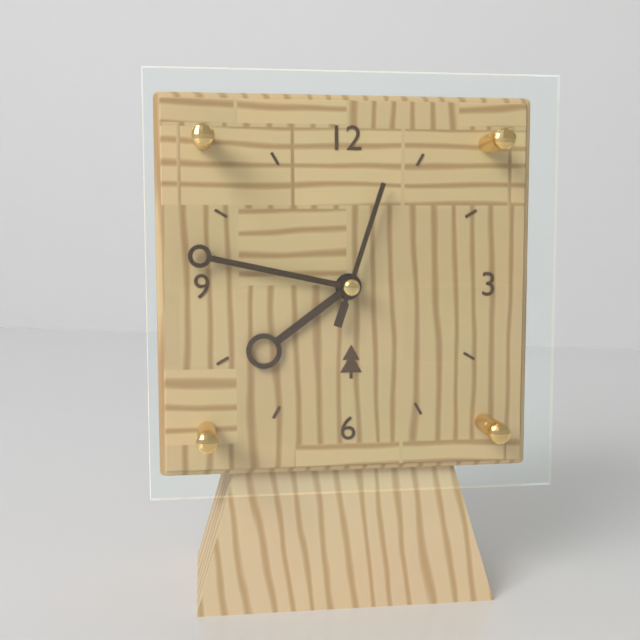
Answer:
{"hour": 7, "minute": 47, "second": 3}
